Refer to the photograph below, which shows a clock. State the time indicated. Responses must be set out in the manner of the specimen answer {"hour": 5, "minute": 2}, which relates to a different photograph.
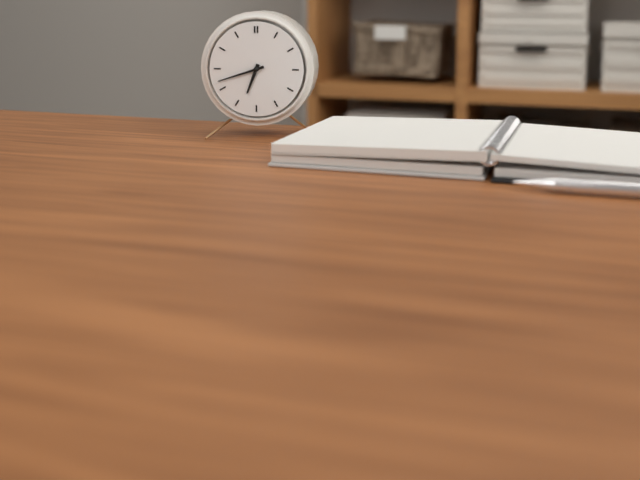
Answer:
{"hour": 6, "minute": 42}
